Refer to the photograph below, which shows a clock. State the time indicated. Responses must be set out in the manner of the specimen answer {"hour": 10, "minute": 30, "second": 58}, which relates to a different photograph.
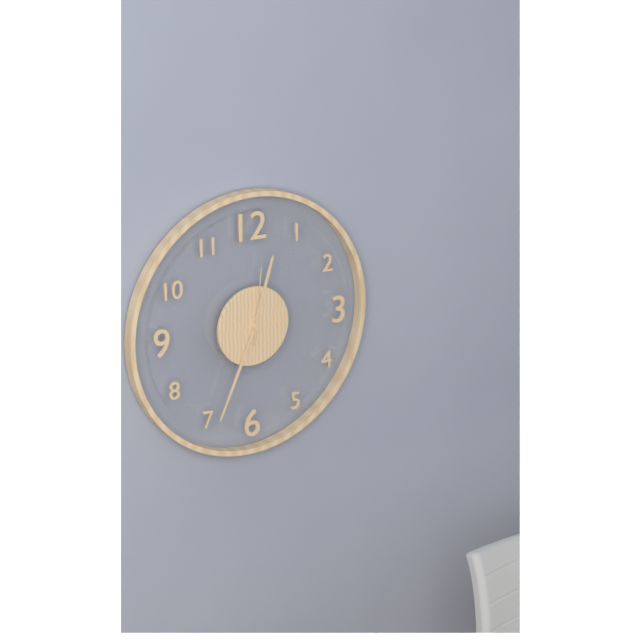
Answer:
{"hour": 12, "minute": 34, "second": 1}
